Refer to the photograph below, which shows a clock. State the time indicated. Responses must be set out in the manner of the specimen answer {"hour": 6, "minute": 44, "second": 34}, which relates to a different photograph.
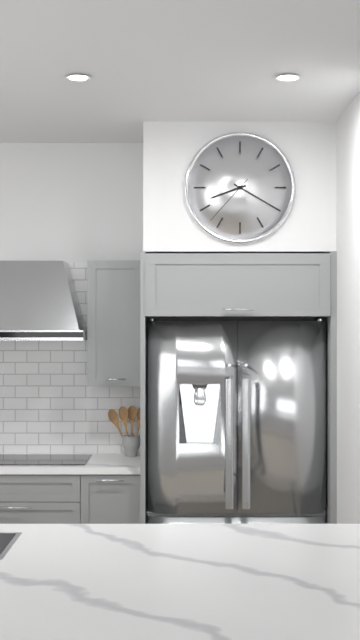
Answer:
{"hour": 8, "minute": 20, "second": 37}
